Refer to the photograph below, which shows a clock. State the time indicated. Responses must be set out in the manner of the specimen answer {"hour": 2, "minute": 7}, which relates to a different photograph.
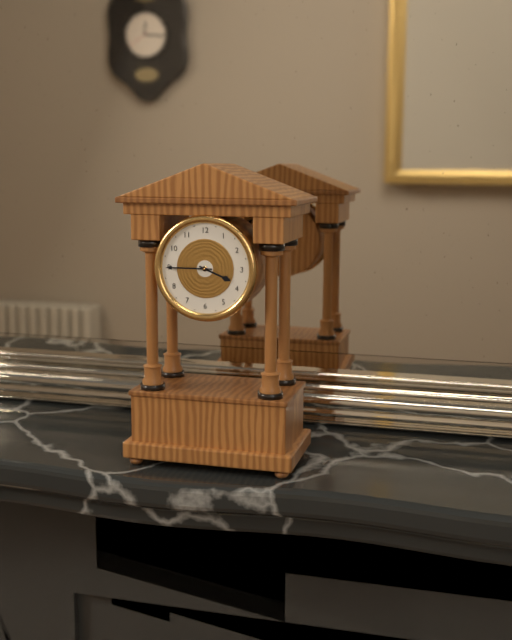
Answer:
{"hour": 3, "minute": 45}
